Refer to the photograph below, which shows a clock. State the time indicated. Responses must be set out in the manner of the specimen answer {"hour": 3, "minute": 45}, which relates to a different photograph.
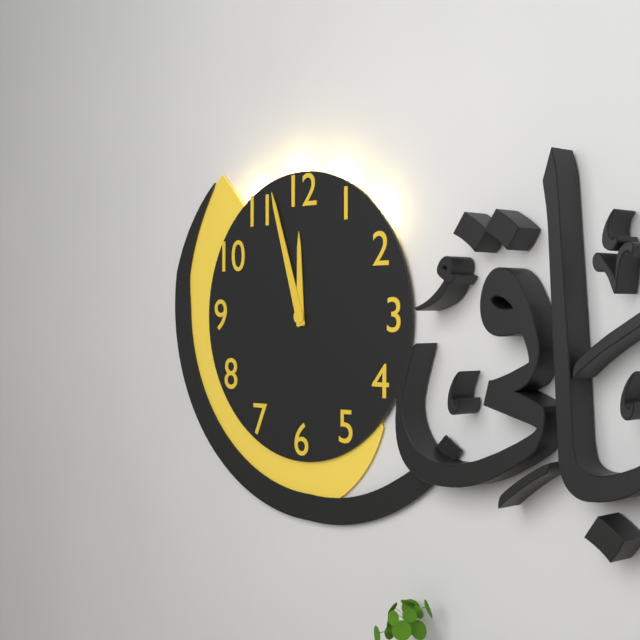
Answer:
{"hour": 11, "minute": 57}
